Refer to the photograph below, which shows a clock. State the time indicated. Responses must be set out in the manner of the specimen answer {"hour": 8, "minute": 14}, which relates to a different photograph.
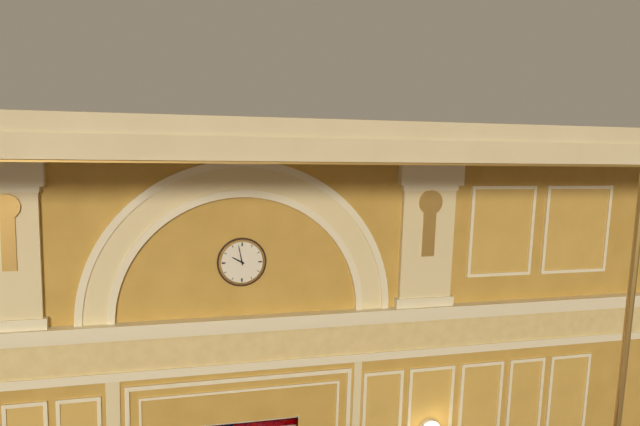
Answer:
{"hour": 9, "minute": 58}
